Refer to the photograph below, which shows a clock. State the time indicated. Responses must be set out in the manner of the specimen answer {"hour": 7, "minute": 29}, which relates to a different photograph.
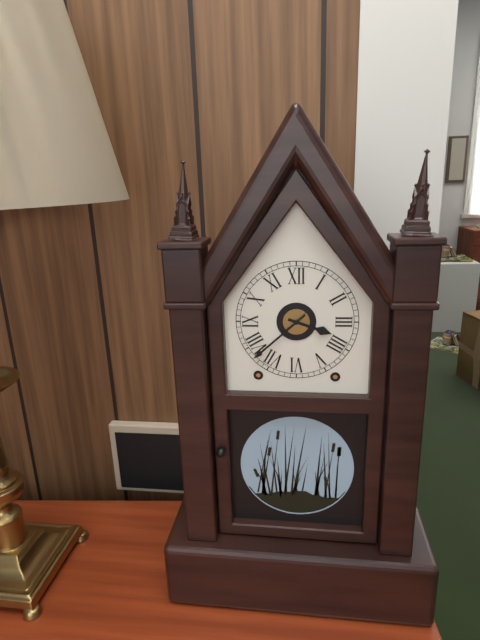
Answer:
{"hour": 3, "minute": 38}
